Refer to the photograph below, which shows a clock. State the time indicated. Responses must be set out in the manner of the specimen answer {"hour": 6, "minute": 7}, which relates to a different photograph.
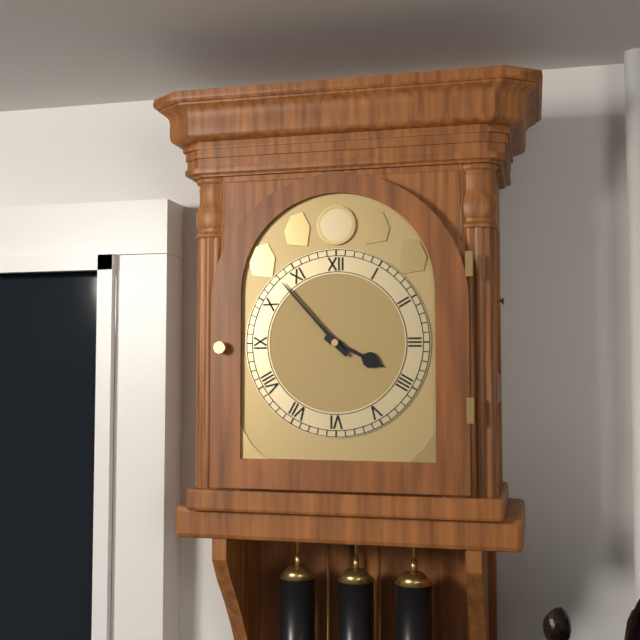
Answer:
{"hour": 3, "minute": 53}
